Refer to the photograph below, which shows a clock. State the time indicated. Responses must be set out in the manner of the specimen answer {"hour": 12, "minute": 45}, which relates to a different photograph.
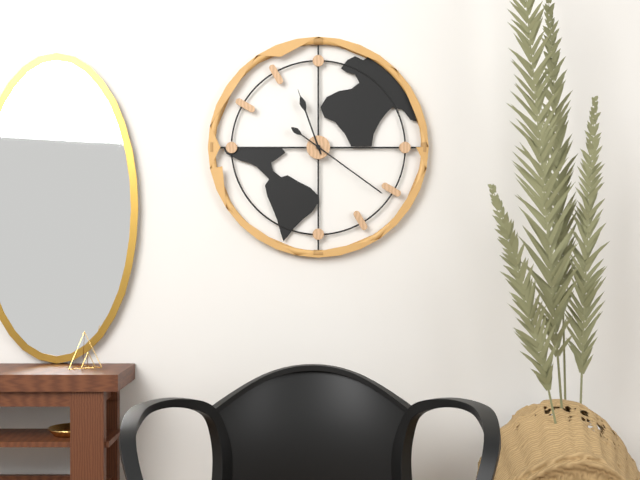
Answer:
{"hour": 11, "minute": 21}
